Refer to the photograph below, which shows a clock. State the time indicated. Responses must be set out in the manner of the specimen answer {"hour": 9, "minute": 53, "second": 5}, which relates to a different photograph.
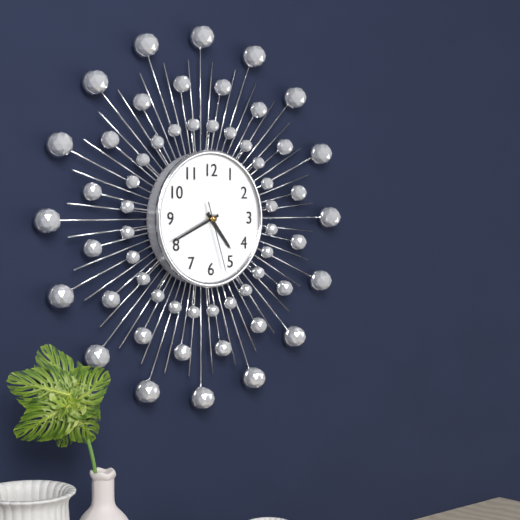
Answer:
{"hour": 4, "minute": 41, "second": 27}
